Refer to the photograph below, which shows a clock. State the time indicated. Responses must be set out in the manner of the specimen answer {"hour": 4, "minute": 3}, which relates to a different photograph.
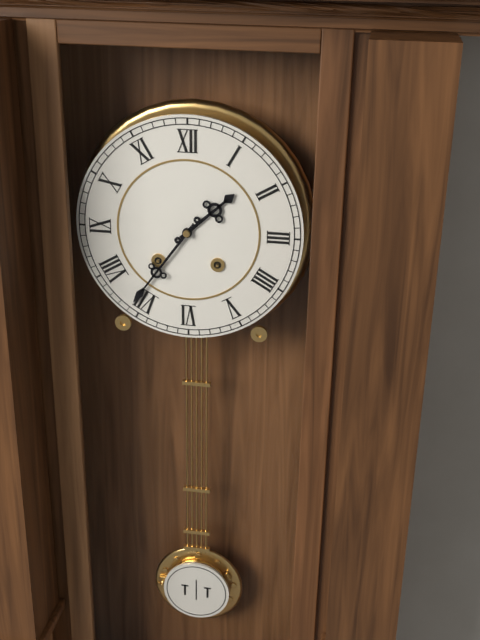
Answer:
{"hour": 1, "minute": 36}
